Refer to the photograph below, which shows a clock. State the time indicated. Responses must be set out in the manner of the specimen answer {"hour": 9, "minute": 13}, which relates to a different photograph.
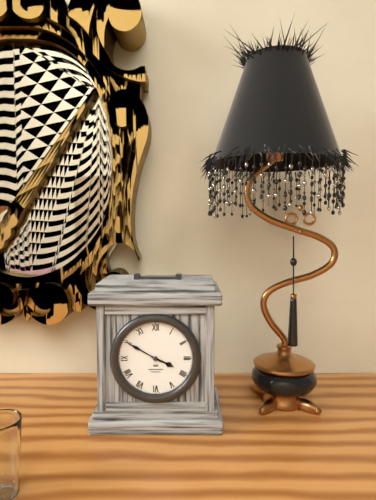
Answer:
{"hour": 3, "minute": 50}
